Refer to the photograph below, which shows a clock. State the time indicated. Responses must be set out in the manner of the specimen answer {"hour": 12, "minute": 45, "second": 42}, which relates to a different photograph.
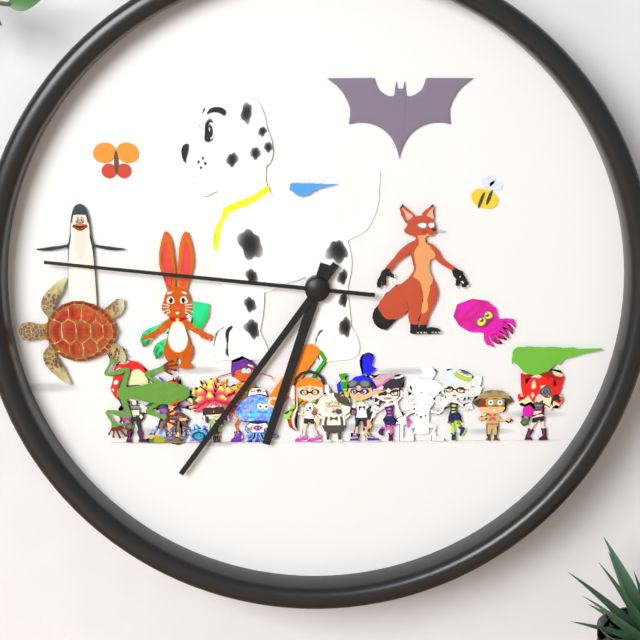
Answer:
{"hour": 6, "minute": 36, "second": 46}
